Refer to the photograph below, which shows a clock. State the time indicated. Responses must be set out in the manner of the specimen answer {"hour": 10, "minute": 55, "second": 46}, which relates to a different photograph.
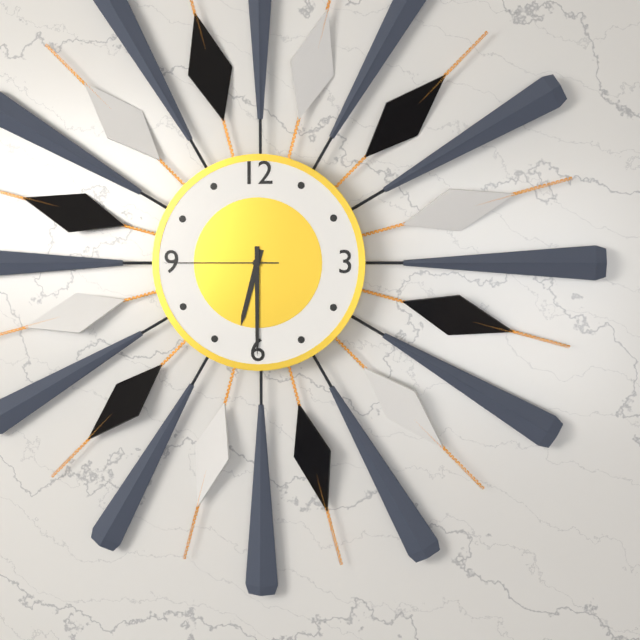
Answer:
{"hour": 6, "minute": 30, "second": 45}
